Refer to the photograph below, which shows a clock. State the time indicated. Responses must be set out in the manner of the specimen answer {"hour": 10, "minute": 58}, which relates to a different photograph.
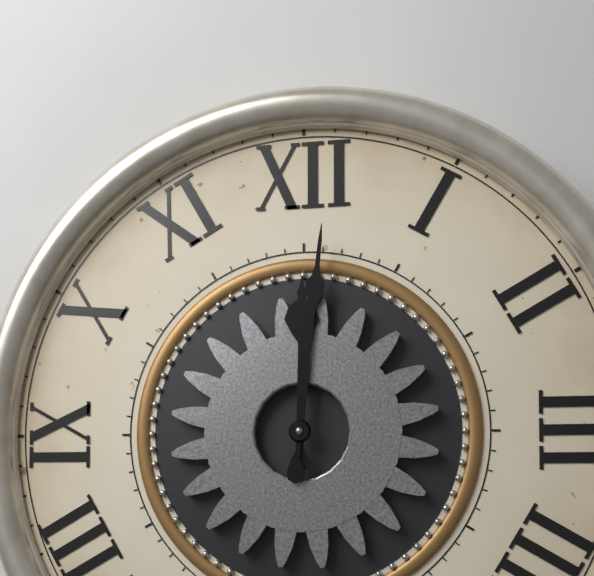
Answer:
{"hour": 12, "minute": 1}
